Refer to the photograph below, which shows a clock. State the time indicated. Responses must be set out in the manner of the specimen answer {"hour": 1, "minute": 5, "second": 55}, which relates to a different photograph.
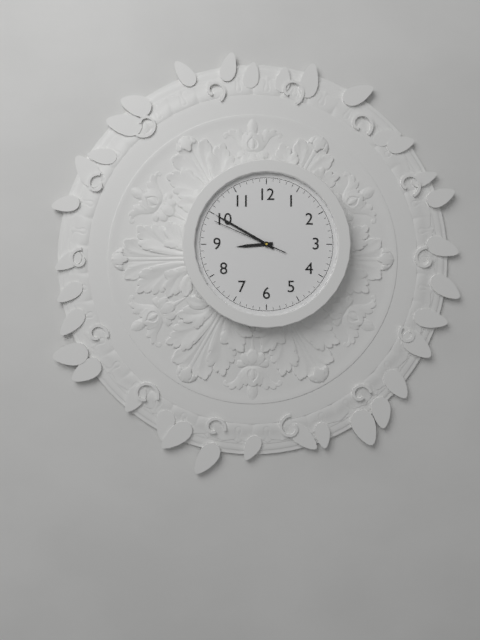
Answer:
{"hour": 8, "minute": 50, "second": 49}
